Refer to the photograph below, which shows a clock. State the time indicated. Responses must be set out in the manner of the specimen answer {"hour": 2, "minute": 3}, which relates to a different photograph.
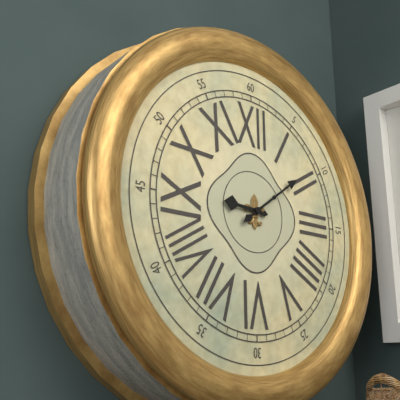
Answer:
{"hour": 9, "minute": 9}
